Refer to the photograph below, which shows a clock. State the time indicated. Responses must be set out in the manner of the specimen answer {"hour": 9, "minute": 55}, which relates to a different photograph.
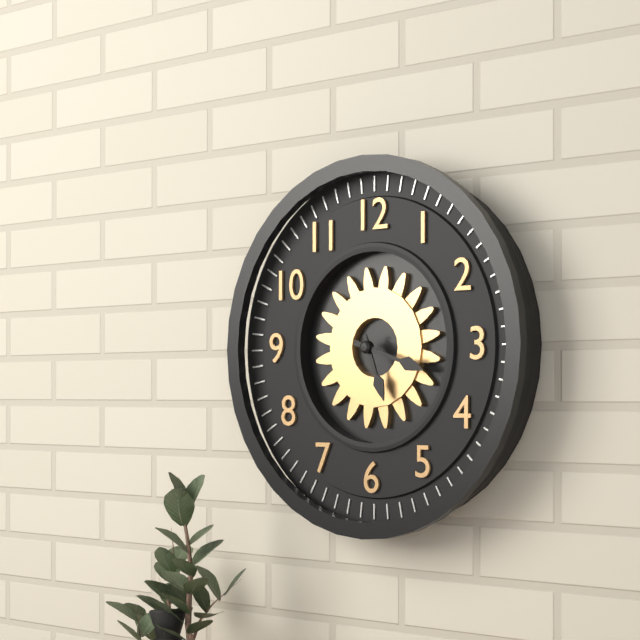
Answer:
{"hour": 5, "minute": 18}
